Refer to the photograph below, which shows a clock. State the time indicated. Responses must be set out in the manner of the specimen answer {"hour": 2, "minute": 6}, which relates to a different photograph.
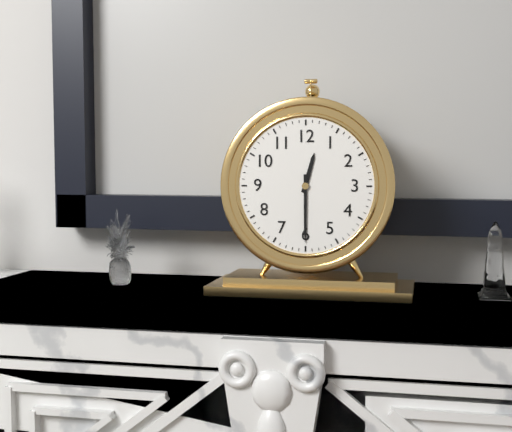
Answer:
{"hour": 12, "minute": 30}
